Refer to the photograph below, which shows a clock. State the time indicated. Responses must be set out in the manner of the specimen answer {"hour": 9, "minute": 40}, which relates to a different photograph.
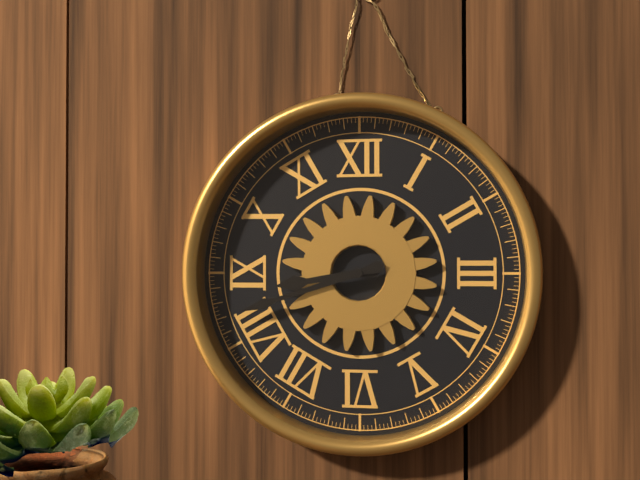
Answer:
{"hour": 8, "minute": 42}
